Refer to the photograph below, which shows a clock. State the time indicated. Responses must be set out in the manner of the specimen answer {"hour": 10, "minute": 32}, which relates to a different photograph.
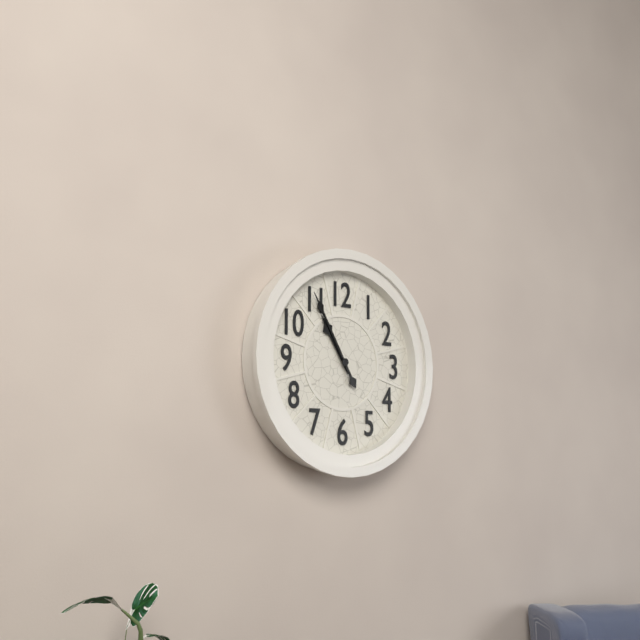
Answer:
{"hour": 10, "minute": 55}
